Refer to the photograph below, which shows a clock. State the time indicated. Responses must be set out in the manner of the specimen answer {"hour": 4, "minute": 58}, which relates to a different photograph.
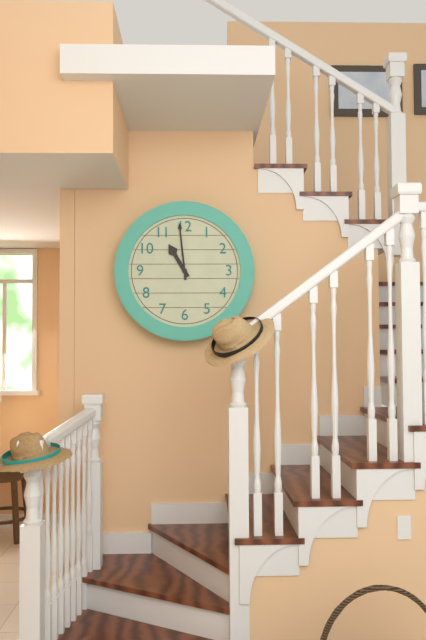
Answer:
{"hour": 10, "minute": 59}
